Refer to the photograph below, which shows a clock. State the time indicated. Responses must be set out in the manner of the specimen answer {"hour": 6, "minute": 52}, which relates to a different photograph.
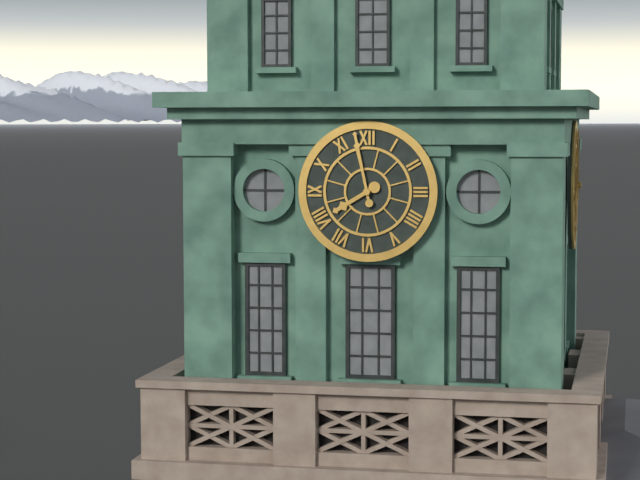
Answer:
{"hour": 7, "minute": 58}
